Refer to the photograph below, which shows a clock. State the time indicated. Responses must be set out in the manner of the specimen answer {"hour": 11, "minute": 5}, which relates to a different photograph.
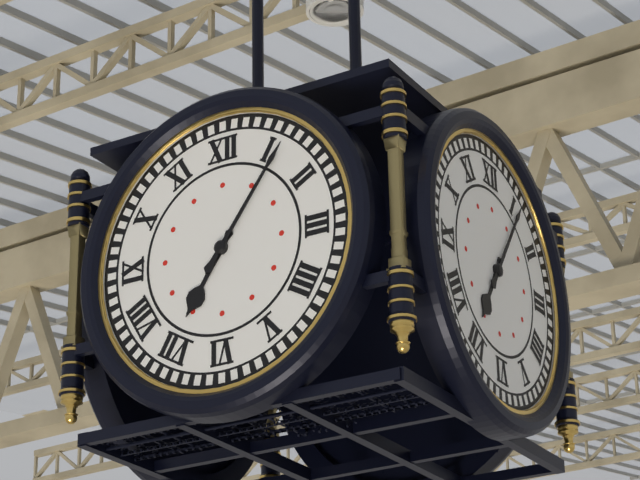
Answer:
{"hour": 7, "minute": 6}
